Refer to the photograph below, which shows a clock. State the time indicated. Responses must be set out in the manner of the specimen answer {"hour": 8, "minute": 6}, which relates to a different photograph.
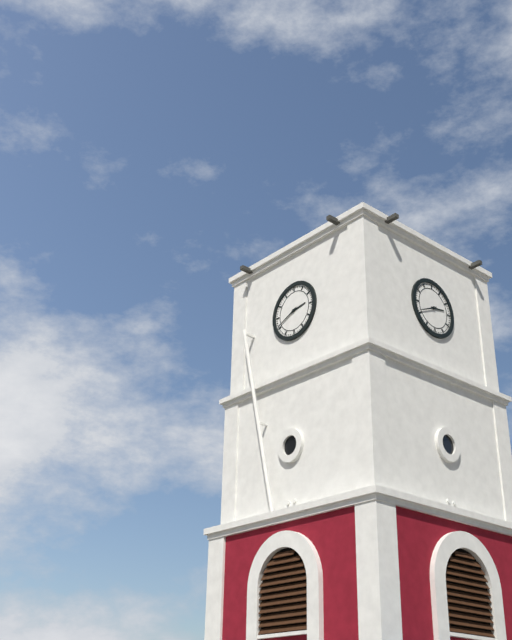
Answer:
{"hour": 2, "minute": 41}
